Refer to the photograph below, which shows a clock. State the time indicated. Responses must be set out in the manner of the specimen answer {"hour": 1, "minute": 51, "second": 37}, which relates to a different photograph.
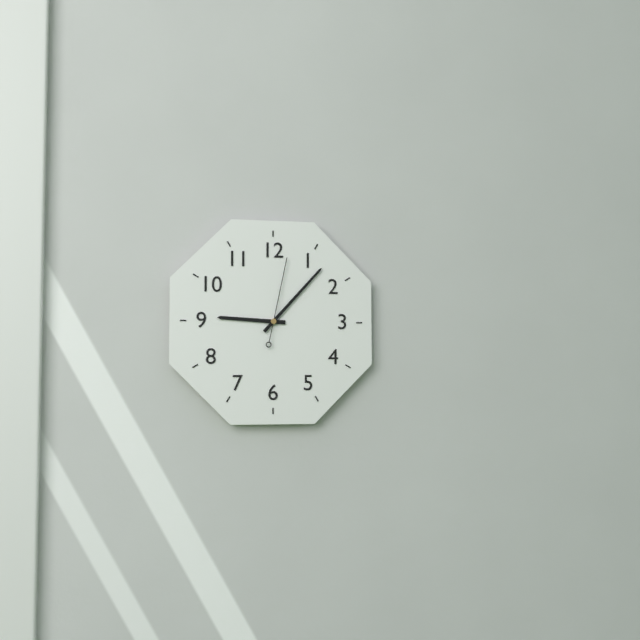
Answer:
{"hour": 9, "minute": 7, "second": 2}
